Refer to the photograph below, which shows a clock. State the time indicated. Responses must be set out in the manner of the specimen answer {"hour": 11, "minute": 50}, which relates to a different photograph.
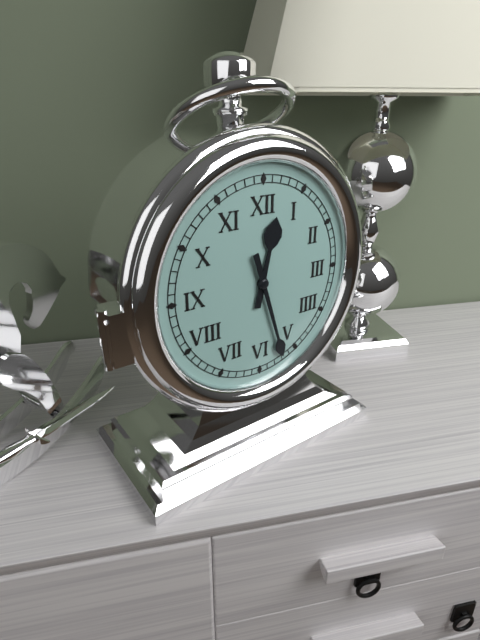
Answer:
{"hour": 12, "minute": 27}
